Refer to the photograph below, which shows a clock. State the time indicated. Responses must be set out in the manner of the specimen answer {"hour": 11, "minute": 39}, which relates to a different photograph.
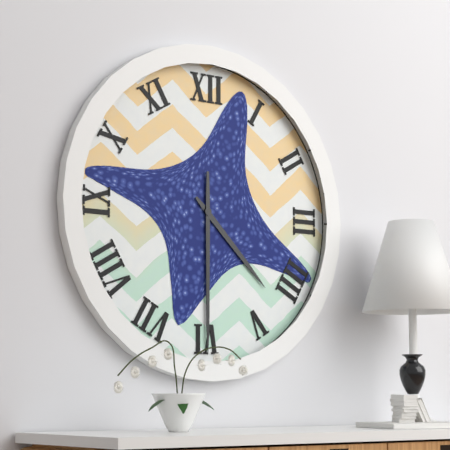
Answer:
{"hour": 4, "minute": 30}
